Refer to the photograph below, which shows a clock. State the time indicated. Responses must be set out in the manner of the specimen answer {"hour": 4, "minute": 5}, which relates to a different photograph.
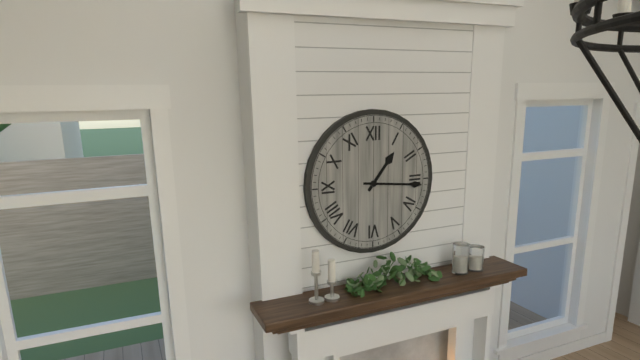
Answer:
{"hour": 1, "minute": 16}
